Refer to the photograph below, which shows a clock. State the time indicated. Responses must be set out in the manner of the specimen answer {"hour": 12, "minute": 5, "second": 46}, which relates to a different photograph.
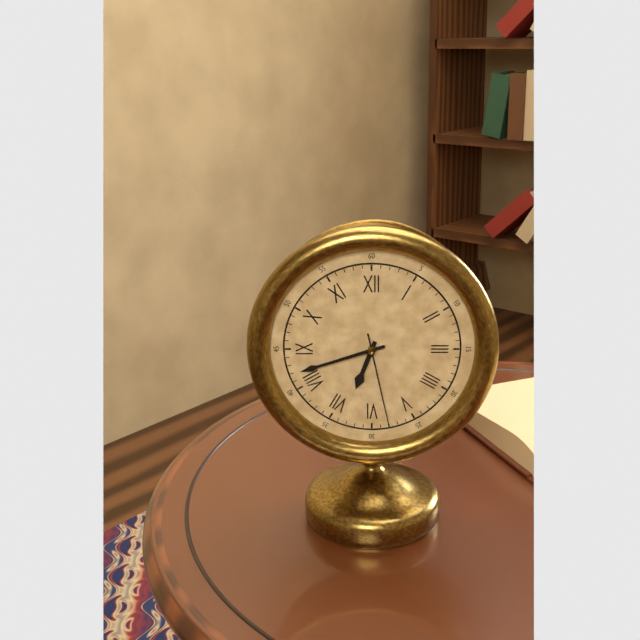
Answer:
{"hour": 6, "minute": 42, "second": 28}
